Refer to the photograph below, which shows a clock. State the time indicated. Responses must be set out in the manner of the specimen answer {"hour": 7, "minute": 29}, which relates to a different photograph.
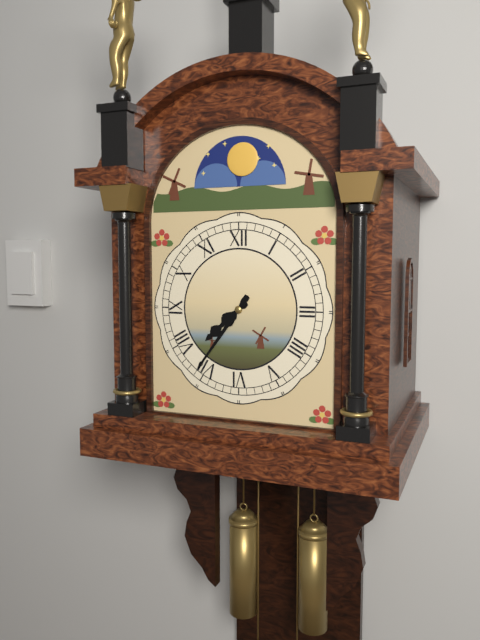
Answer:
{"hour": 7, "minute": 36}
